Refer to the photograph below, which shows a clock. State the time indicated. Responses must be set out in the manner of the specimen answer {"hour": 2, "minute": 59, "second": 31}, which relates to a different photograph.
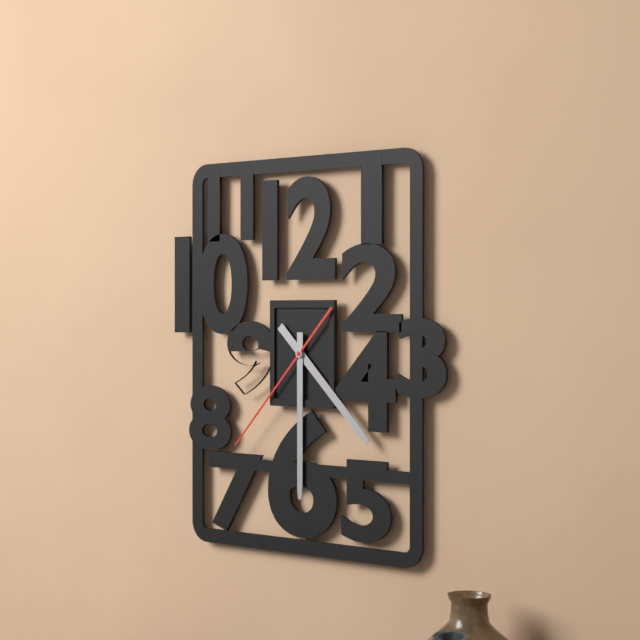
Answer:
{"hour": 4, "minute": 30, "second": 37}
